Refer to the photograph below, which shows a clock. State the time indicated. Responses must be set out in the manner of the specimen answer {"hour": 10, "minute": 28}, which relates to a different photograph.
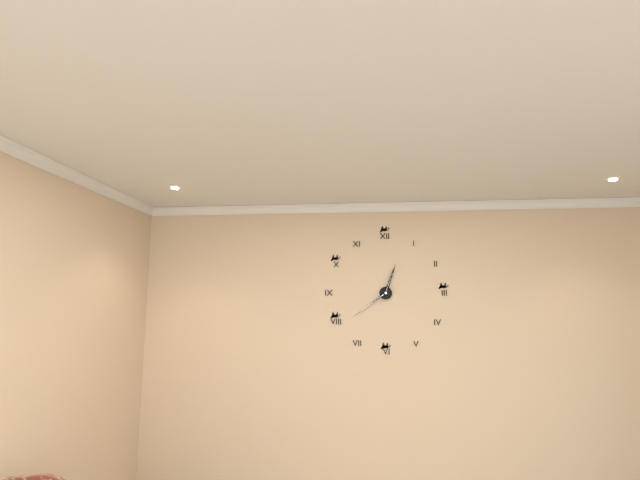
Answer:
{"hour": 12, "minute": 39}
